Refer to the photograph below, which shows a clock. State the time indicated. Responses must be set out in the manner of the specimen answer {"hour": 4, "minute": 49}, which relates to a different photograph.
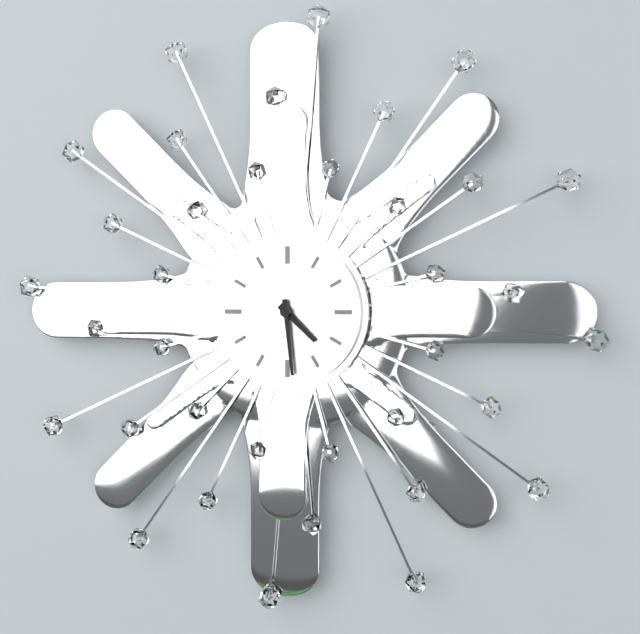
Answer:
{"hour": 4, "minute": 29}
